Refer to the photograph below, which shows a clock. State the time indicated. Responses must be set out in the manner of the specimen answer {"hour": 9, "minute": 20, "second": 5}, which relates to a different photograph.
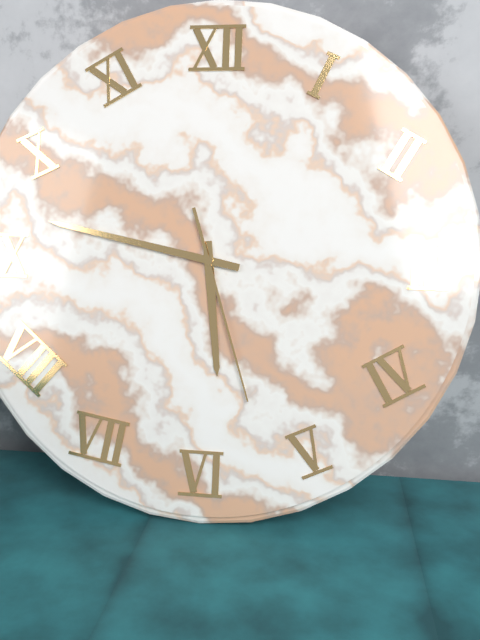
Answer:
{"hour": 5, "minute": 47, "second": 27}
